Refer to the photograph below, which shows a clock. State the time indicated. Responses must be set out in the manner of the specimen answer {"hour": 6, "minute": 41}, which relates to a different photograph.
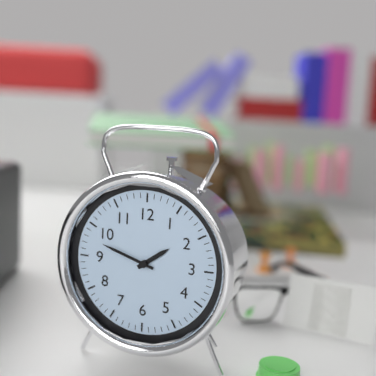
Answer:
{"hour": 1, "minute": 48}
